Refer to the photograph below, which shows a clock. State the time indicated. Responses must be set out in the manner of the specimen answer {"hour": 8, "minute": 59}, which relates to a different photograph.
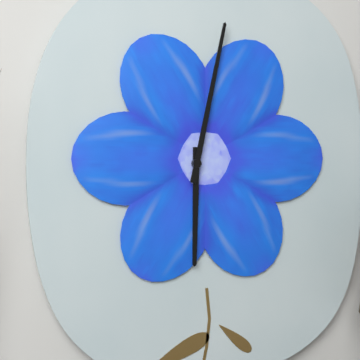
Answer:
{"hour": 6, "minute": 2}
